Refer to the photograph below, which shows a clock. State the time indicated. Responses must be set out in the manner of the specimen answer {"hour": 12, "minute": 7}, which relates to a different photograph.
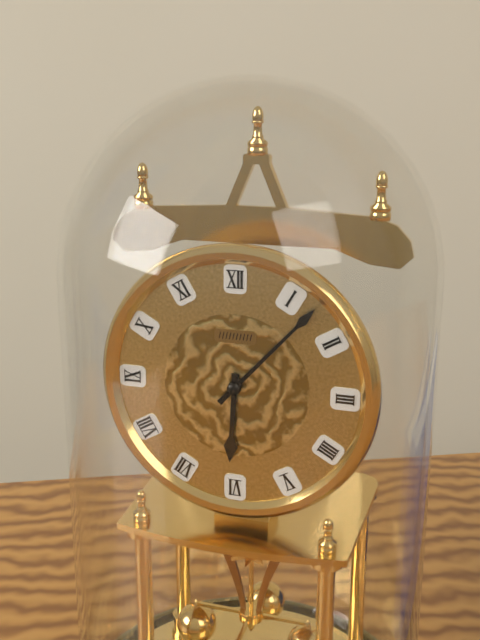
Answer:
{"hour": 6, "minute": 7}
